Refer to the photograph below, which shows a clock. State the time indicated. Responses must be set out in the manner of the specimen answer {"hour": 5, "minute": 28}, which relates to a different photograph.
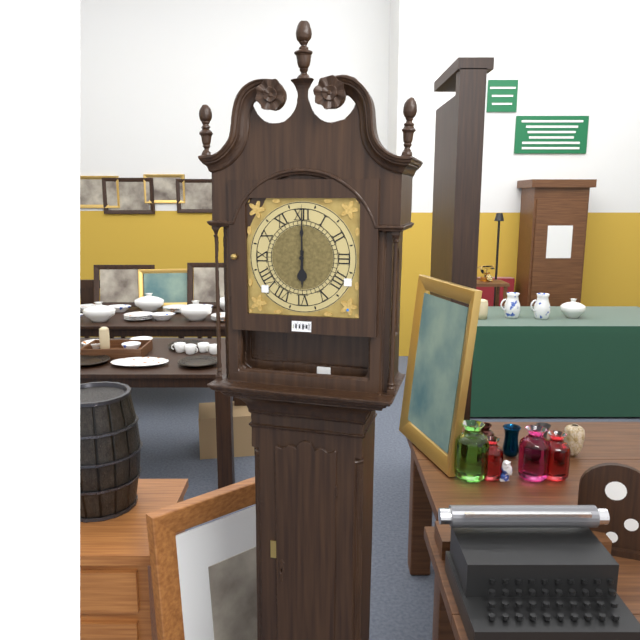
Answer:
{"hour": 6, "minute": 0}
